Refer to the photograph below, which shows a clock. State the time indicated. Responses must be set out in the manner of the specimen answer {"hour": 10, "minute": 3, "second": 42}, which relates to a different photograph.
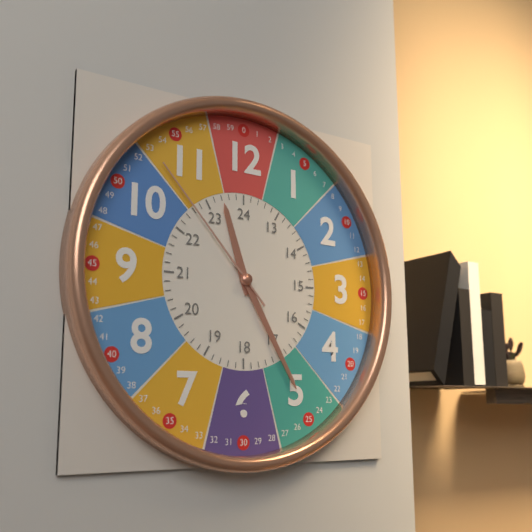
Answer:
{"hour": 11, "minute": 25, "second": 53}
